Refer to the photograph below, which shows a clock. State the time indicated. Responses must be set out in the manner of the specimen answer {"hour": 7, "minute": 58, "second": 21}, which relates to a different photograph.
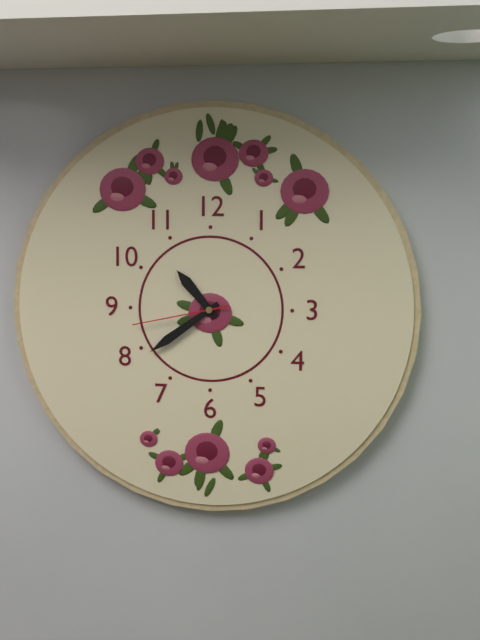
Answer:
{"hour": 10, "minute": 39, "second": 43}
